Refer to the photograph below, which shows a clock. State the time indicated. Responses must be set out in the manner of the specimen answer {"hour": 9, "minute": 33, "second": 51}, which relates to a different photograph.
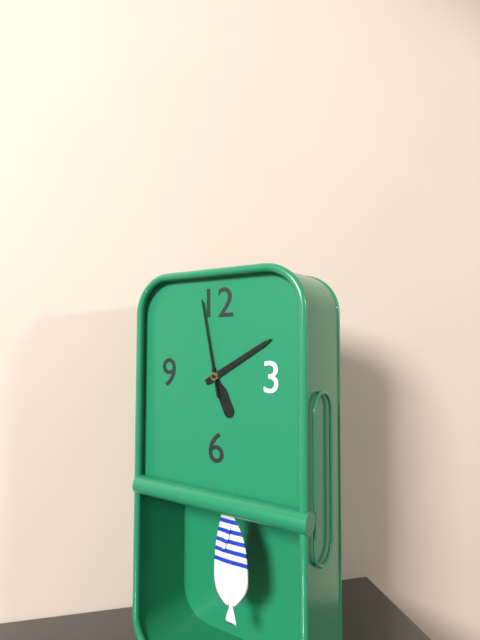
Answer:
{"hour": 5, "minute": 10, "second": 58}
